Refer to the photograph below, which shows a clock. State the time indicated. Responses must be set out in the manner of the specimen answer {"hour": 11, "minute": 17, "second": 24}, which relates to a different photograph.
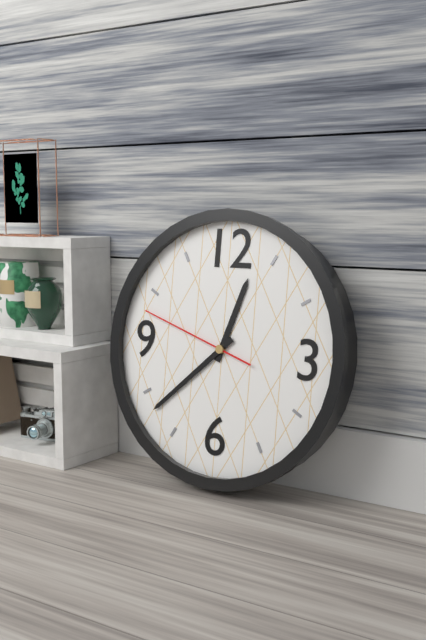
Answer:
{"hour": 12, "minute": 38, "second": 48}
